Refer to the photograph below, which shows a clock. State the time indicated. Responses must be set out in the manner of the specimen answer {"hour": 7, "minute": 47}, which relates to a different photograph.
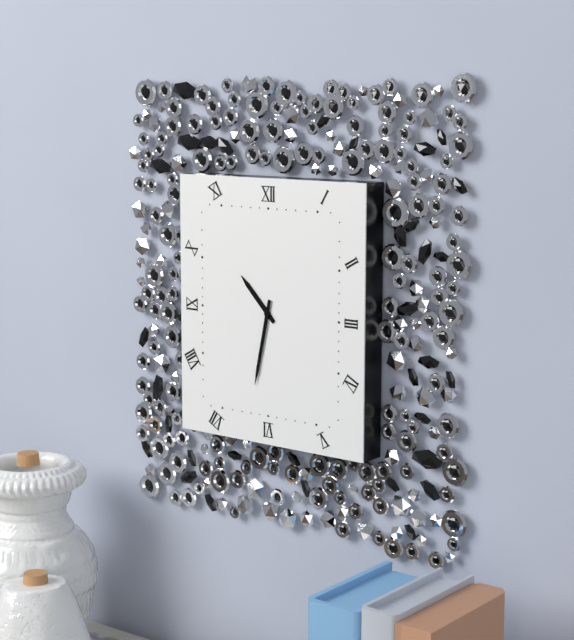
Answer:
{"hour": 10, "minute": 32}
